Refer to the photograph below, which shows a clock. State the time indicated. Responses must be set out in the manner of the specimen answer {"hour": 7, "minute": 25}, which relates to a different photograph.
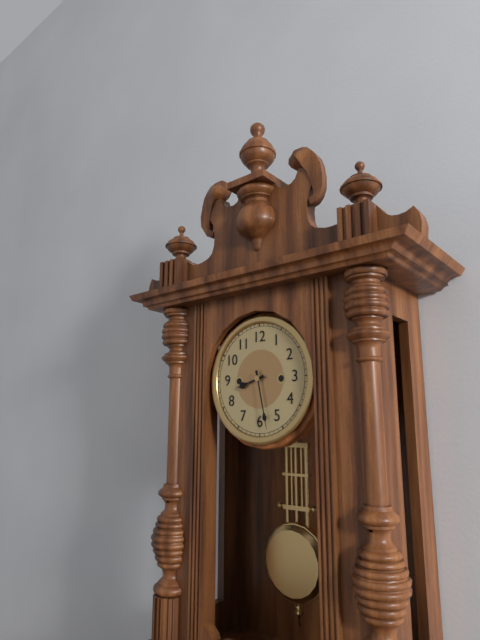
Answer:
{"hour": 8, "minute": 28}
